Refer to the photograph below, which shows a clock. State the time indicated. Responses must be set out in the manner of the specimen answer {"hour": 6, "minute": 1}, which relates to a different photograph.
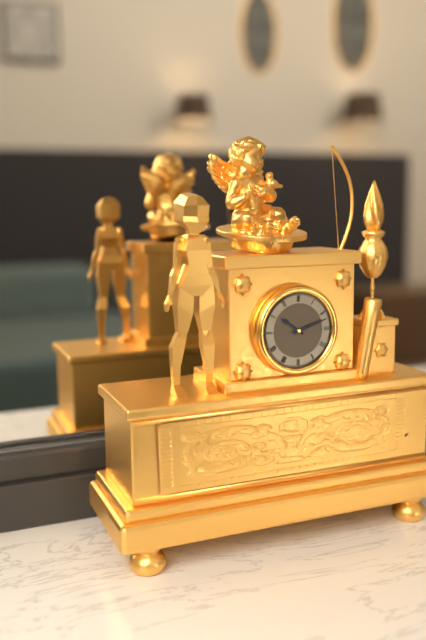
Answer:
{"hour": 10, "minute": 12}
